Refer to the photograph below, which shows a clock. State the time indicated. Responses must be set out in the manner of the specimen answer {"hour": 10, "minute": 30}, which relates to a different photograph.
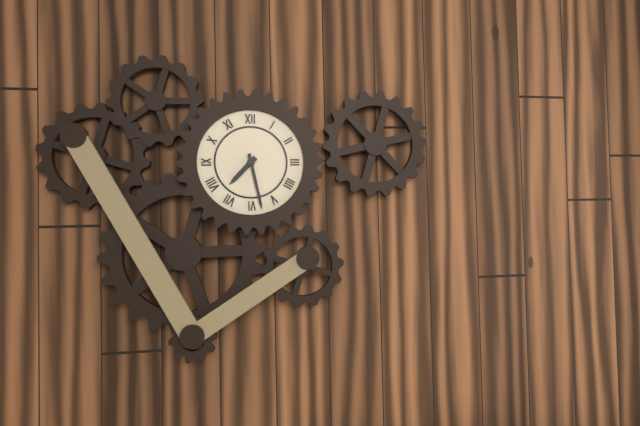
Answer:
{"hour": 7, "minute": 28}
